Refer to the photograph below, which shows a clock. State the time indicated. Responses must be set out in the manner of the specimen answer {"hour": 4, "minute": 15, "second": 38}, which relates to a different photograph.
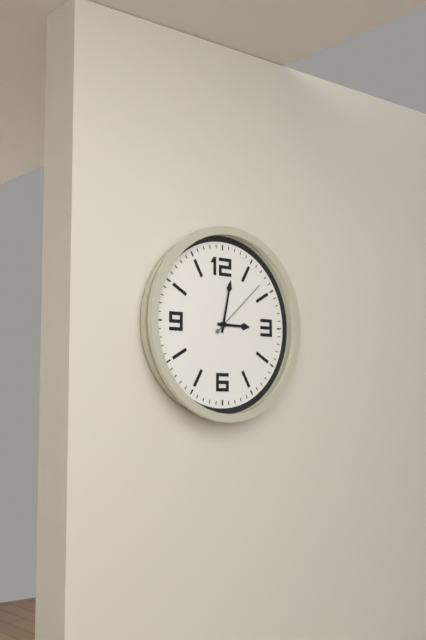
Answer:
{"hour": 3, "minute": 2, "second": 8}
